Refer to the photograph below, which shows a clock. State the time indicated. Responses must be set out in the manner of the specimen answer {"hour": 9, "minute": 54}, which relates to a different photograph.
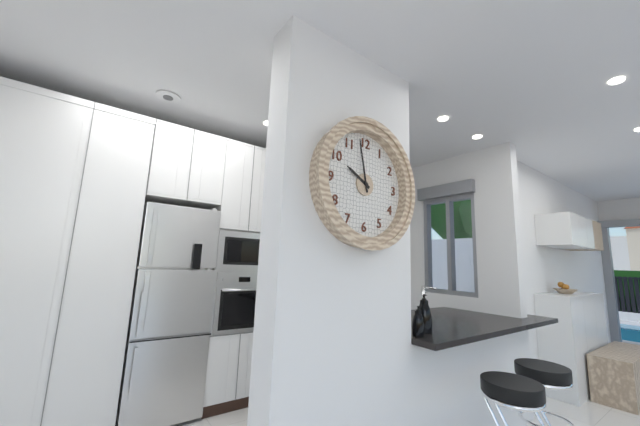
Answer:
{"hour": 9, "minute": 58}
